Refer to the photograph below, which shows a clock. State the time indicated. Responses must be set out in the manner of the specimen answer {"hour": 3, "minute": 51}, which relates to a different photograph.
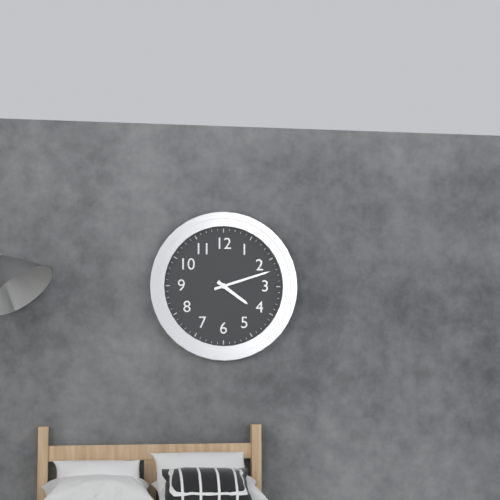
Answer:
{"hour": 4, "minute": 12}
